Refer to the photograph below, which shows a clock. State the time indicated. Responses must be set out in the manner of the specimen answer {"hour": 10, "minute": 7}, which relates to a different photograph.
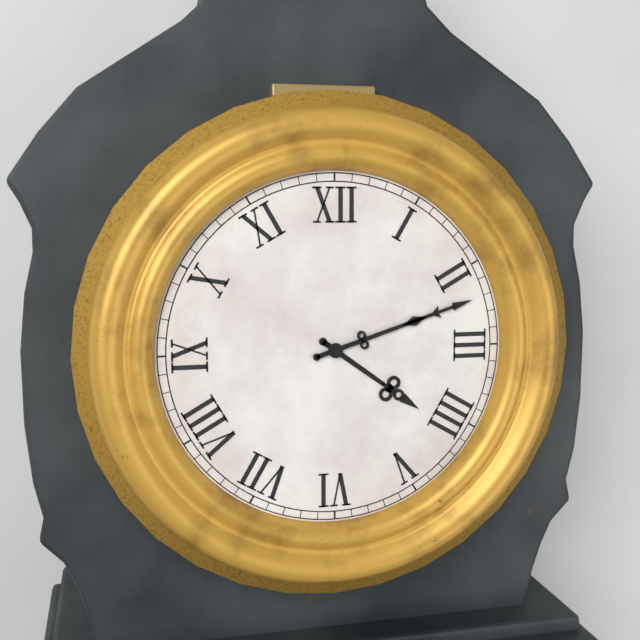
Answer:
{"hour": 4, "minute": 12}
